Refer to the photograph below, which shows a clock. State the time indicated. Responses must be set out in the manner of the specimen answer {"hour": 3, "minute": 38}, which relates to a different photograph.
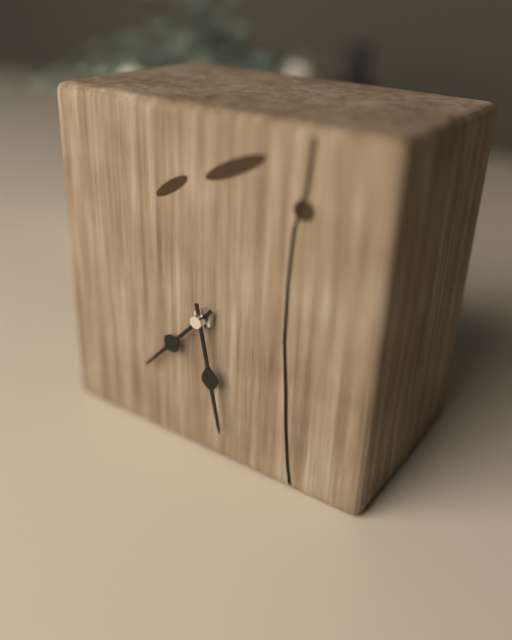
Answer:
{"hour": 7, "minute": 28}
